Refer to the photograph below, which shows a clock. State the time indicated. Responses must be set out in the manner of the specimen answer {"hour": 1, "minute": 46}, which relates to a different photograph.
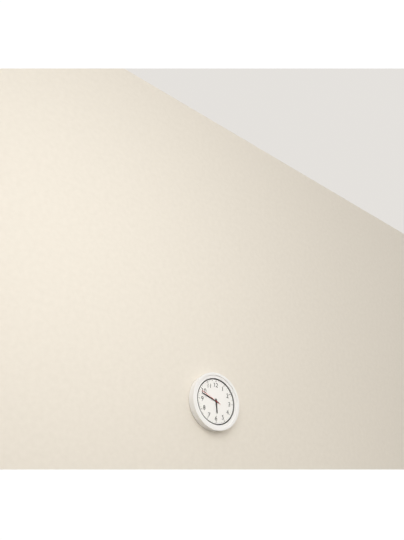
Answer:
{"hour": 5, "minute": 48}
